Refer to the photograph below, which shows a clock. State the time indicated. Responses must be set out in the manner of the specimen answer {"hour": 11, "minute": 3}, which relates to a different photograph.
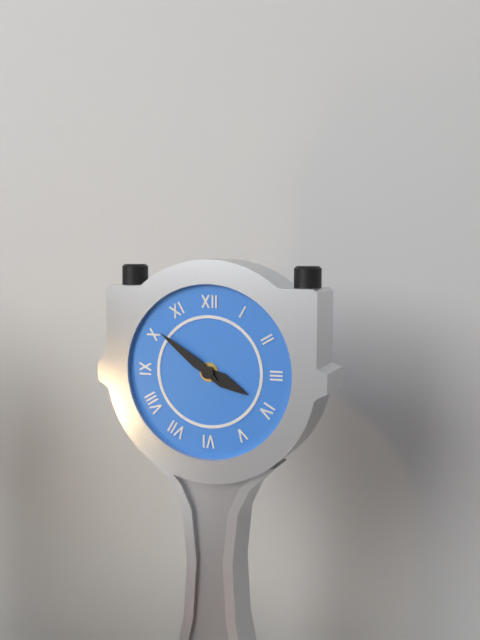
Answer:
{"hour": 3, "minute": 51}
